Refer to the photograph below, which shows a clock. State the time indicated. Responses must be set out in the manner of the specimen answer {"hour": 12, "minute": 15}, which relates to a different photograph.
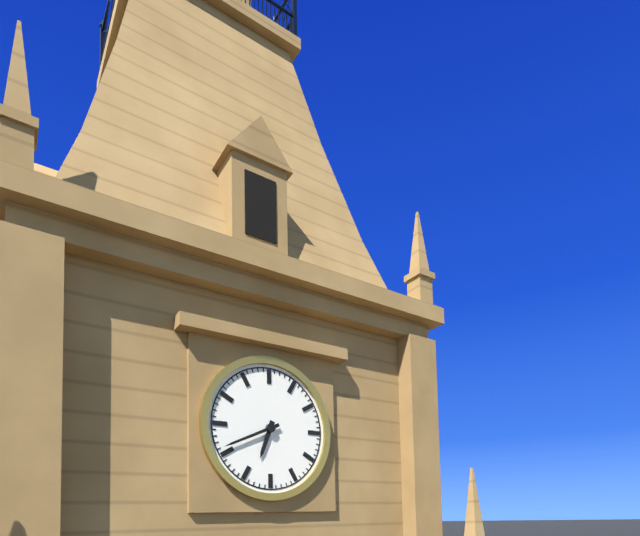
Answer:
{"hour": 6, "minute": 41}
